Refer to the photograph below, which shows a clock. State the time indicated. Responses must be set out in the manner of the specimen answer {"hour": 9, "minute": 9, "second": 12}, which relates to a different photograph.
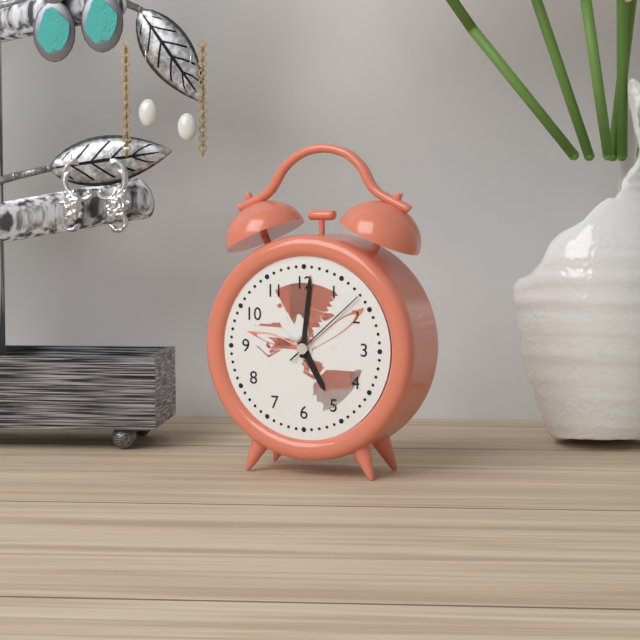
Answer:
{"hour": 5, "minute": 1, "second": 8}
